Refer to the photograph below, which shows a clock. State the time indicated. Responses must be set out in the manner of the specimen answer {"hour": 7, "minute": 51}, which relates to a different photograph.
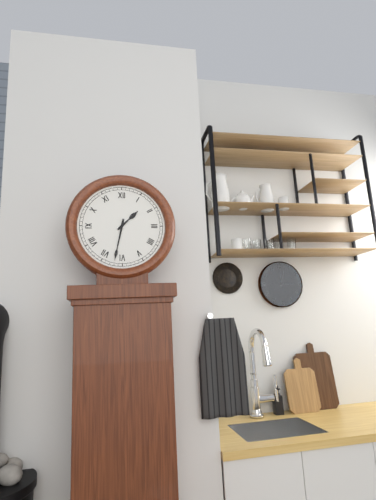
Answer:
{"hour": 1, "minute": 32}
